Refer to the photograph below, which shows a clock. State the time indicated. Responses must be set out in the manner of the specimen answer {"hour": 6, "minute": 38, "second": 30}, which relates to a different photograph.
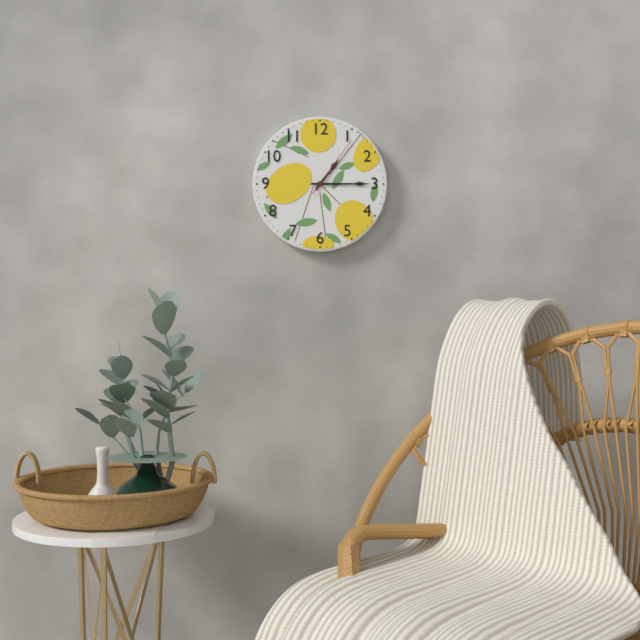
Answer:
{"hour": 1, "minute": 15, "second": 6}
